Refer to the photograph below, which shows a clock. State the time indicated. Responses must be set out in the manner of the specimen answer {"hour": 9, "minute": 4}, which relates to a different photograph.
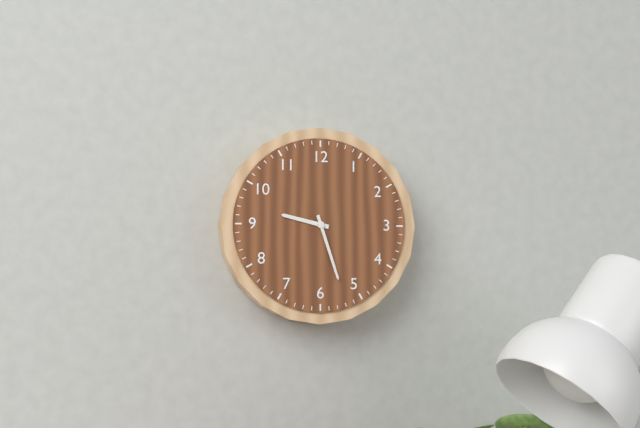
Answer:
{"hour": 9, "minute": 27}
